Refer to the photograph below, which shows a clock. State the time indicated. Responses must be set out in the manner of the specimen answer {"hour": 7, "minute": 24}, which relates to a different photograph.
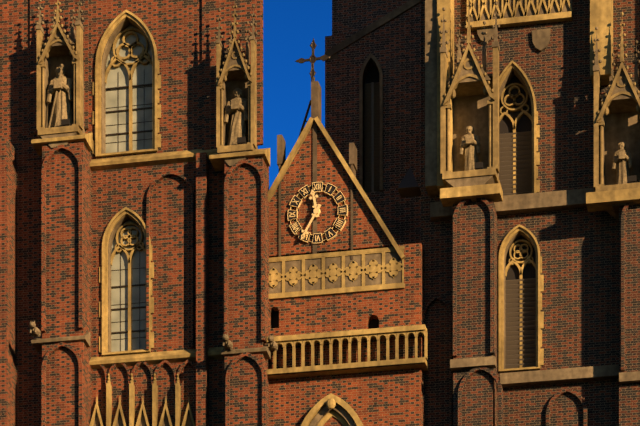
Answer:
{"hour": 11, "minute": 35}
